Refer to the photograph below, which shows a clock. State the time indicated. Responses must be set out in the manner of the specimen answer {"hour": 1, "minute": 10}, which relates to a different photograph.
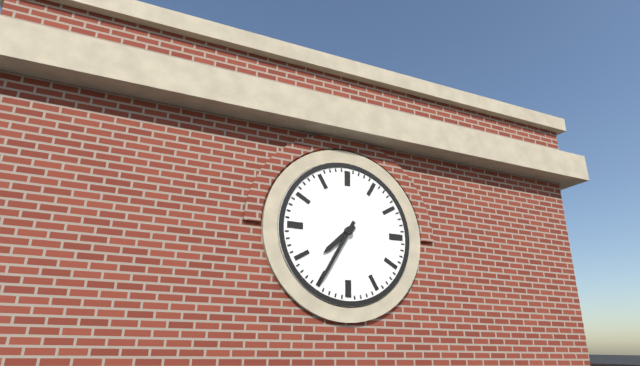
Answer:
{"hour": 7, "minute": 35}
